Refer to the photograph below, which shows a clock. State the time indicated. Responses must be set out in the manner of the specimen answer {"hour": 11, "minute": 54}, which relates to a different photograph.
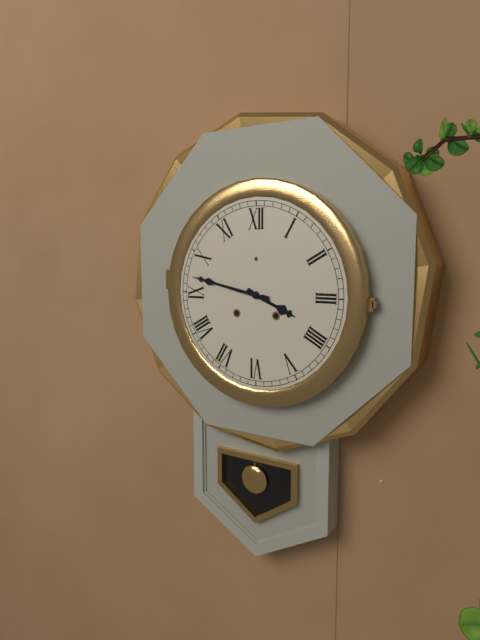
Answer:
{"hour": 3, "minute": 47}
